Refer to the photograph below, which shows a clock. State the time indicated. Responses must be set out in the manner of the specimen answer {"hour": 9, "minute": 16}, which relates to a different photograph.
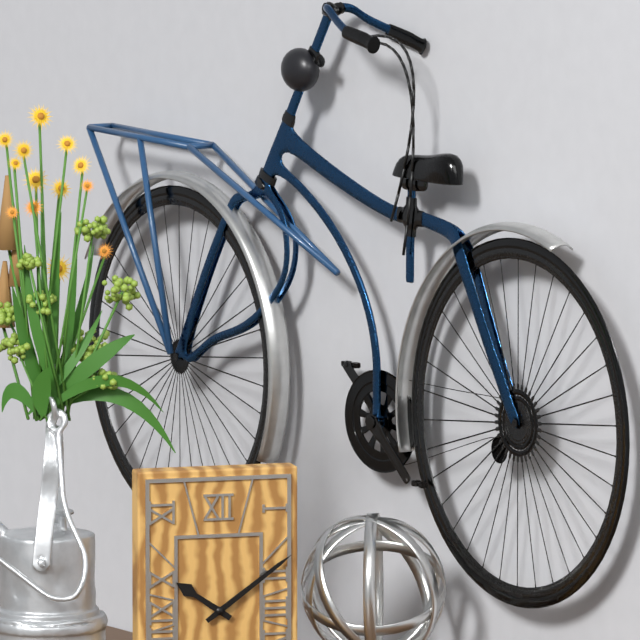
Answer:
{"hour": 10, "minute": 9}
